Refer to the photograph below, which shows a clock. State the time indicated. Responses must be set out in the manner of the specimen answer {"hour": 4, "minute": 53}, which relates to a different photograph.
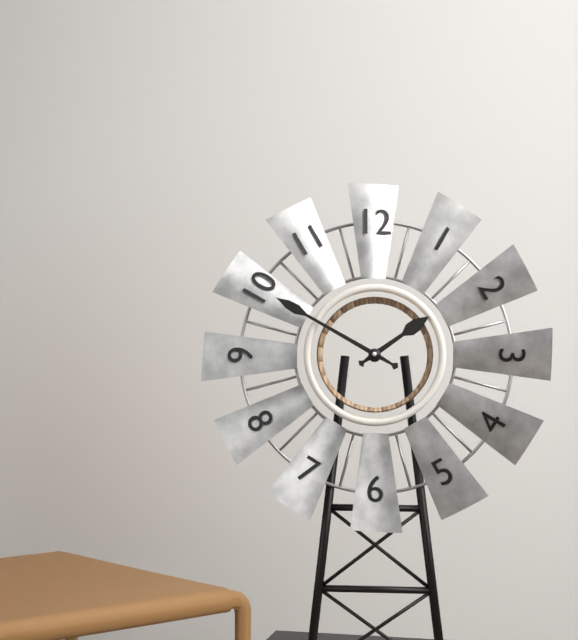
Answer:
{"hour": 1, "minute": 50}
